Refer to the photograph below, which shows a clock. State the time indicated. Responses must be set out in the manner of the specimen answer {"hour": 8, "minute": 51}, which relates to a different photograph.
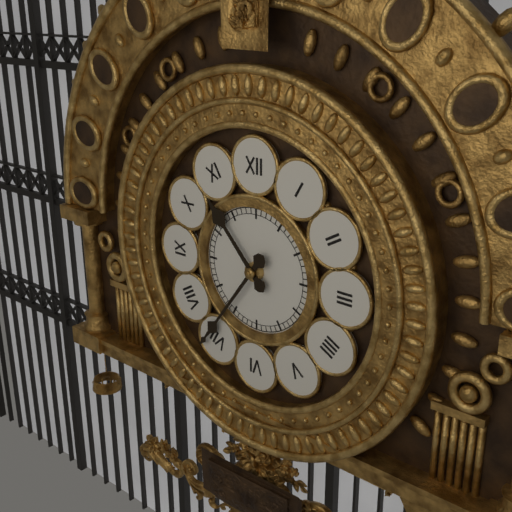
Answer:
{"hour": 10, "minute": 36}
